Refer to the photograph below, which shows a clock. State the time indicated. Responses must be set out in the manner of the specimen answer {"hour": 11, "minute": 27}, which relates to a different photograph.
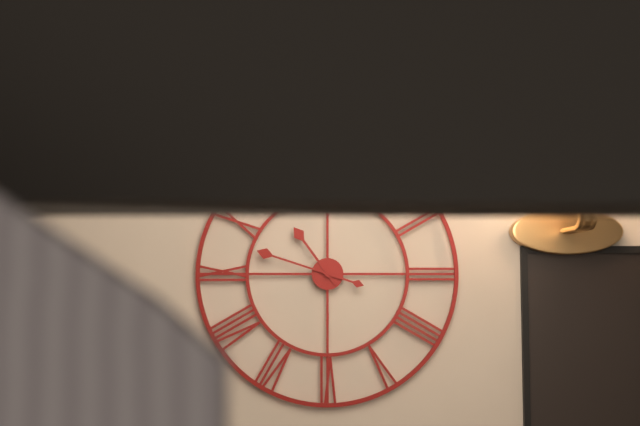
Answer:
{"hour": 10, "minute": 48}
